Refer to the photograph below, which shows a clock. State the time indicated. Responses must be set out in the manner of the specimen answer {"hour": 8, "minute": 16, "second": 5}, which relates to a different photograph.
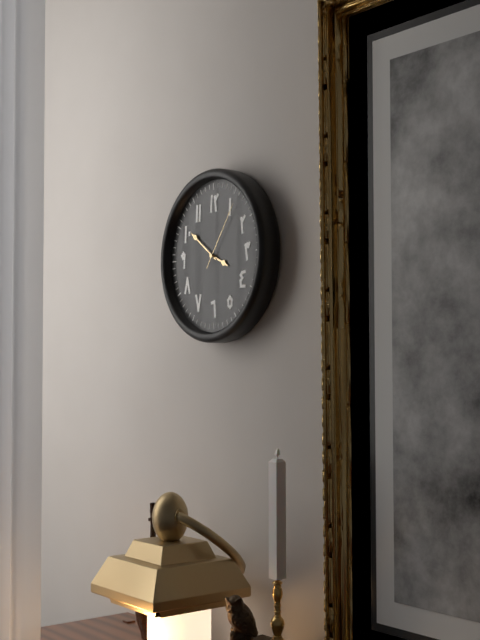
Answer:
{"hour": 3, "minute": 51, "second": 6}
